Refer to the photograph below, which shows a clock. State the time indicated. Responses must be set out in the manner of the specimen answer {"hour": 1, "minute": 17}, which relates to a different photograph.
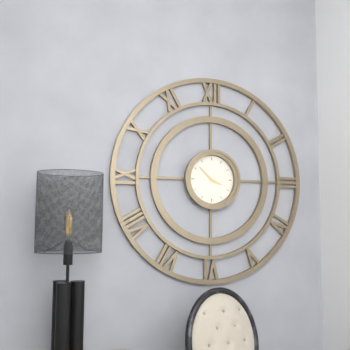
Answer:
{"hour": 3, "minute": 52}
